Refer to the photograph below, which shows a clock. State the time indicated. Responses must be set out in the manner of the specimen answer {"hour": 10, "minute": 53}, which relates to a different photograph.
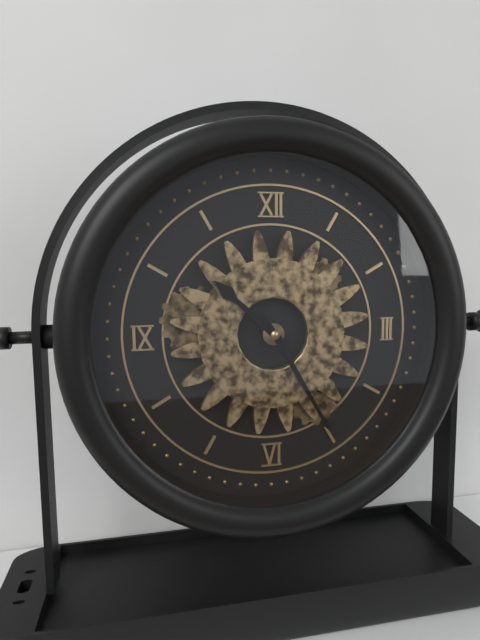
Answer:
{"hour": 10, "minute": 25}
